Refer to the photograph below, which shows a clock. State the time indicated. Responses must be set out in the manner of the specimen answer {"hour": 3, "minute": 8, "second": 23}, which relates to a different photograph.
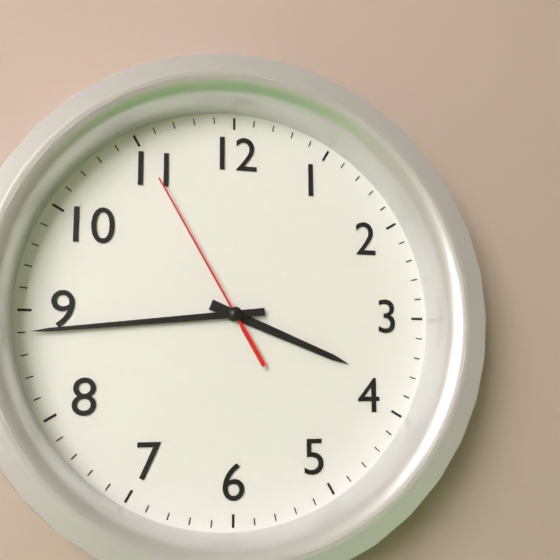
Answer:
{"hour": 3, "minute": 44, "second": 55}
